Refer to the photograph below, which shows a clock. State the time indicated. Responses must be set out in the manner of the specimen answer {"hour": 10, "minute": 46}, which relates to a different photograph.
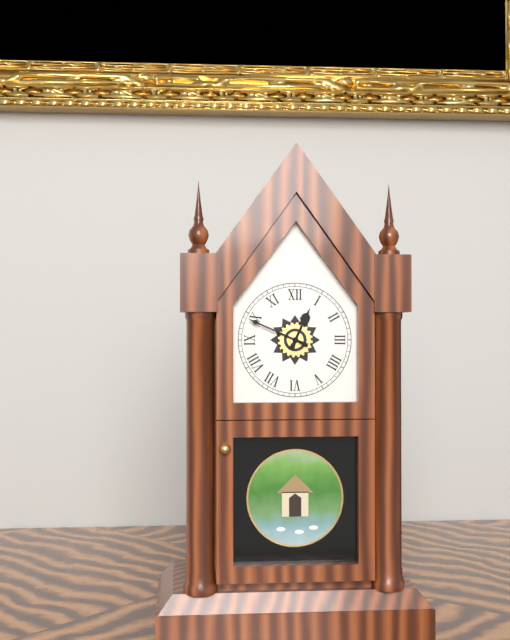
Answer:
{"hour": 12, "minute": 49}
